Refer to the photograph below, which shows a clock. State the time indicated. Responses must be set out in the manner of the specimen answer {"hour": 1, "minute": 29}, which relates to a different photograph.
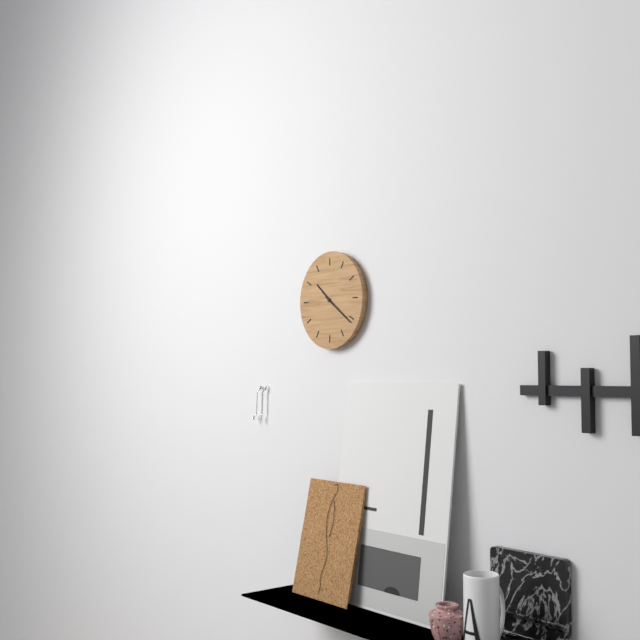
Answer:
{"hour": 10, "minute": 21}
